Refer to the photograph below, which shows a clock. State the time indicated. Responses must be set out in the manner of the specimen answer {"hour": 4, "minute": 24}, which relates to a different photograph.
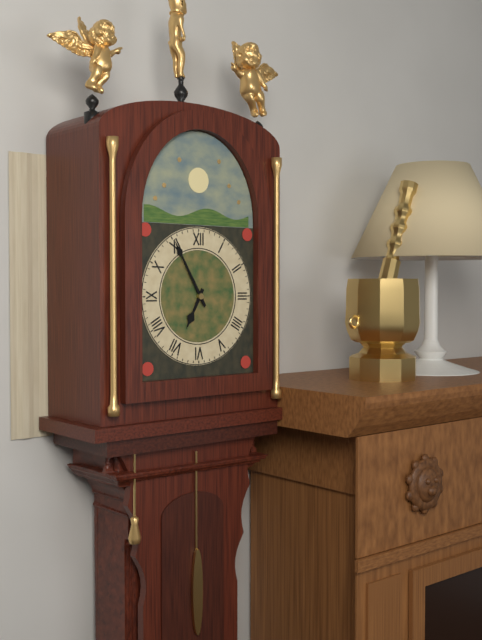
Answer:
{"hour": 6, "minute": 55}
